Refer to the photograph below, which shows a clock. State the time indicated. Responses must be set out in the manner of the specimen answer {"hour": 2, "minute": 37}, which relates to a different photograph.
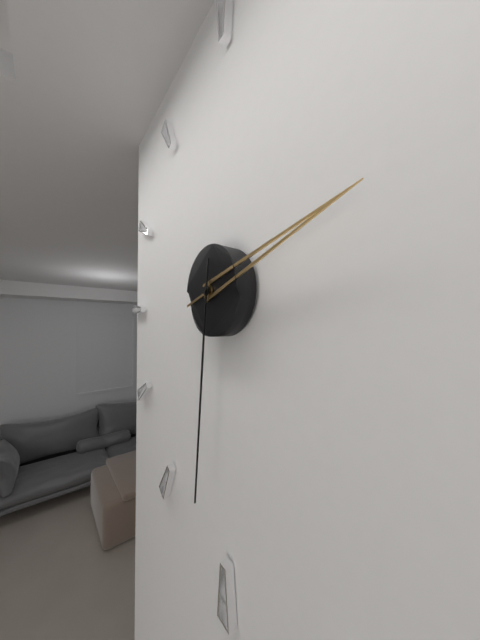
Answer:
{"hour": 2, "minute": 31}
